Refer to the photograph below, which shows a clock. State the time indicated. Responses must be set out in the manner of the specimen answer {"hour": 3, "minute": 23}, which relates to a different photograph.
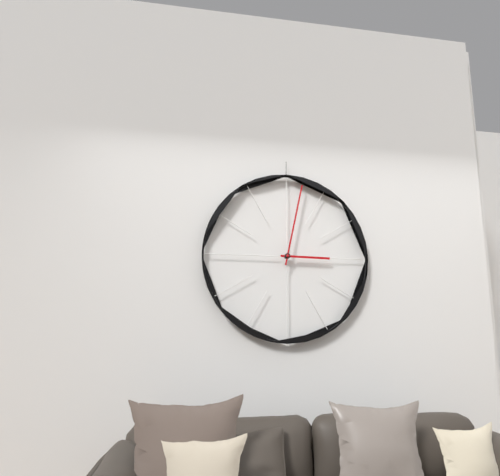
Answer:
{"hour": 3, "minute": 2}
